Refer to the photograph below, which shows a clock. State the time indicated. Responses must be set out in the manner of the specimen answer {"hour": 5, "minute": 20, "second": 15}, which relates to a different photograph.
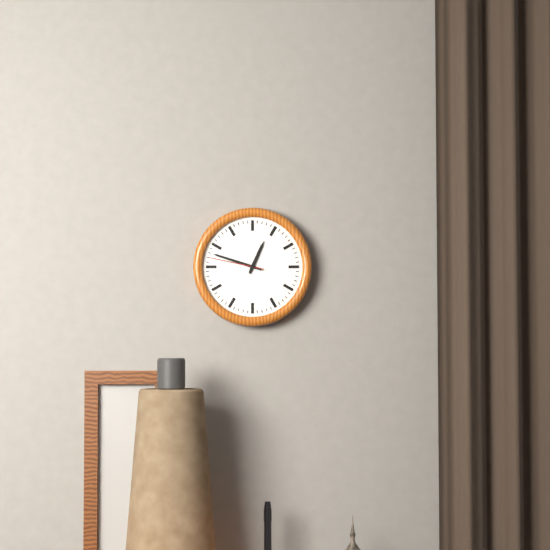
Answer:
{"hour": 12, "minute": 48, "second": 47}
